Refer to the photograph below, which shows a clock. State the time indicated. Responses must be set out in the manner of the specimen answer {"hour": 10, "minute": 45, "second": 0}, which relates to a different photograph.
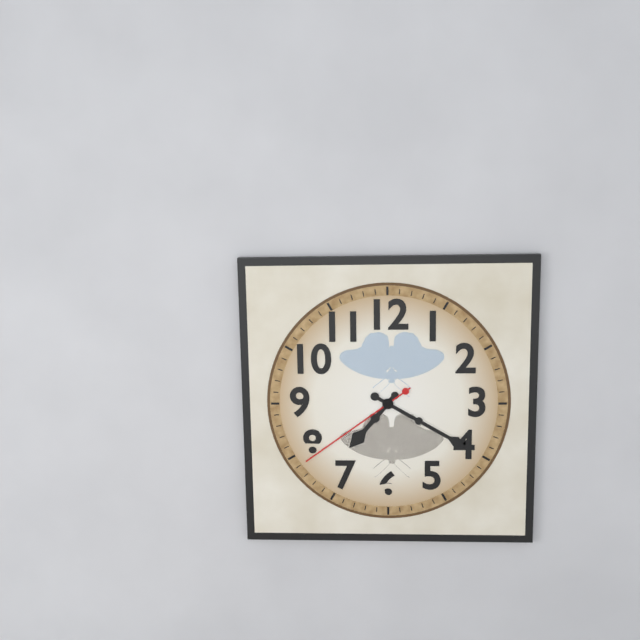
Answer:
{"hour": 7, "minute": 20, "second": 39}
